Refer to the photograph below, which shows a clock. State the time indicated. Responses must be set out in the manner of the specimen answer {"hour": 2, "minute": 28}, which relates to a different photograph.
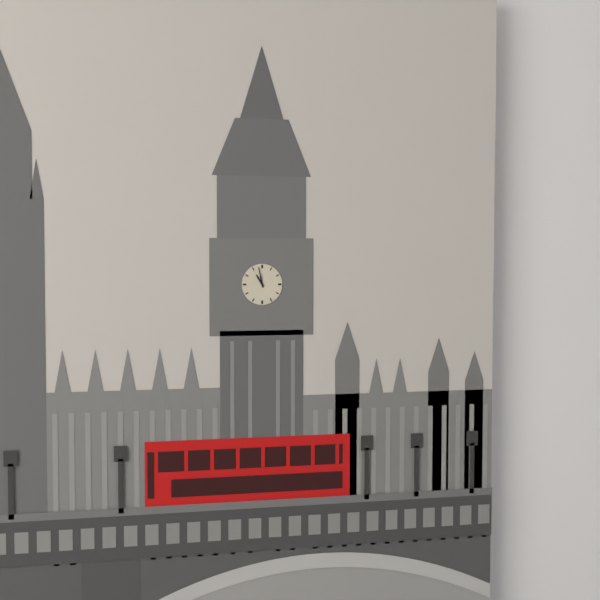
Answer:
{"hour": 10, "minute": 58}
